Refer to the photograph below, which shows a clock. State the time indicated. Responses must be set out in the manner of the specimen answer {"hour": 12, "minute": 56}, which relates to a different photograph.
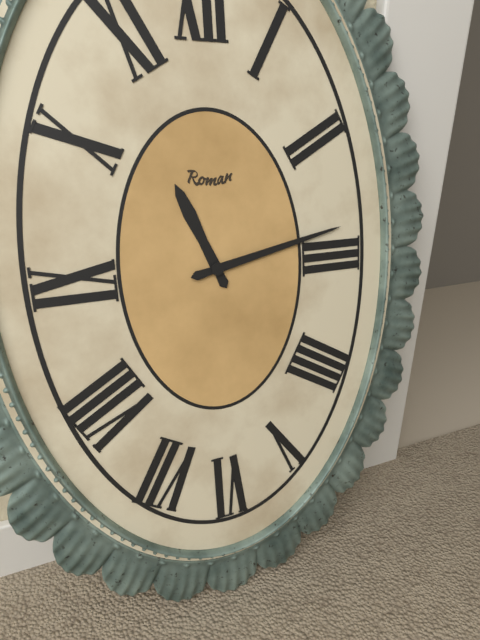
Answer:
{"hour": 11, "minute": 13}
